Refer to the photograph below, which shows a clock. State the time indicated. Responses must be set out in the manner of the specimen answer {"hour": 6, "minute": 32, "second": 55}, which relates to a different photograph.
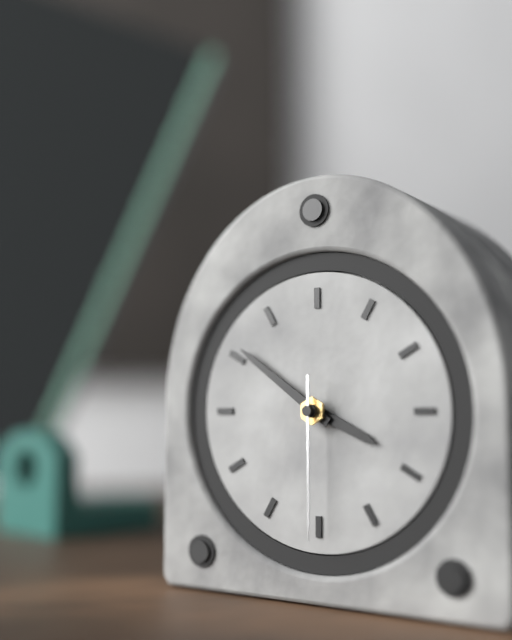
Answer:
{"hour": 3, "minute": 51, "second": 30}
